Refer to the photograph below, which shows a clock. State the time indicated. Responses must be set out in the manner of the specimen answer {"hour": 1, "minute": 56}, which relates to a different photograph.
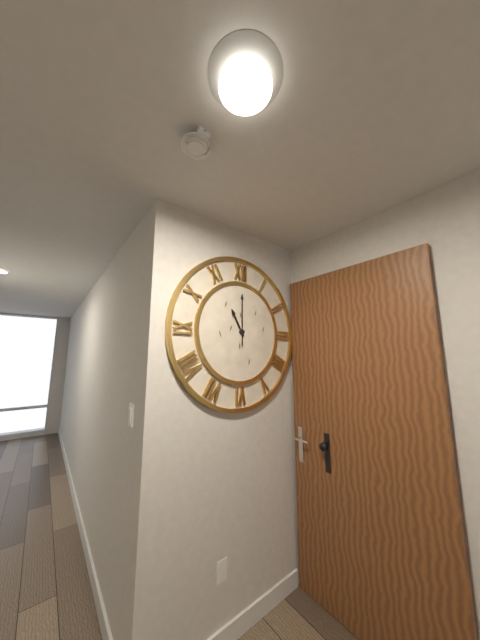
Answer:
{"hour": 11, "minute": 0}
